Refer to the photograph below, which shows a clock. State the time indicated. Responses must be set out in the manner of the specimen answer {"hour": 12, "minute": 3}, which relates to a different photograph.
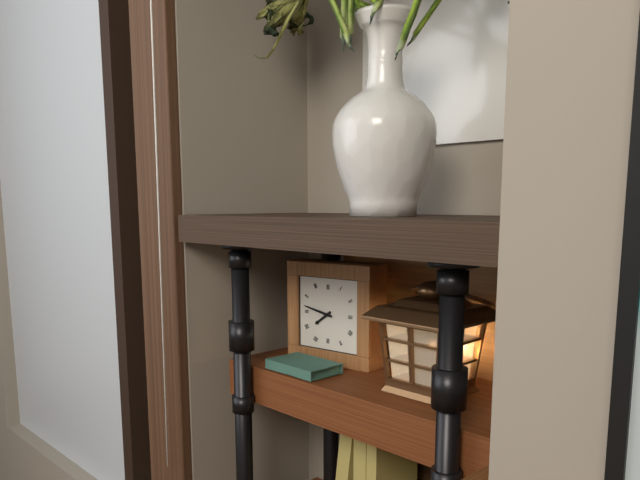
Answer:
{"hour": 7, "minute": 47}
